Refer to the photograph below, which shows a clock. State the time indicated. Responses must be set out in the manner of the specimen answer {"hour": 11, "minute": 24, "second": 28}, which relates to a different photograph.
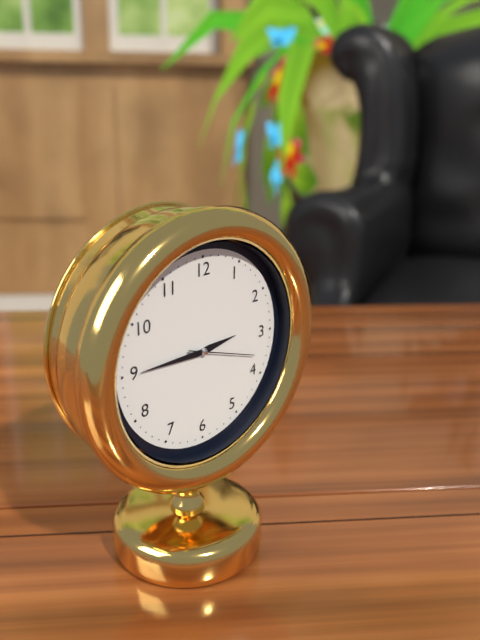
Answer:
{"hour": 2, "minute": 45, "second": 18}
